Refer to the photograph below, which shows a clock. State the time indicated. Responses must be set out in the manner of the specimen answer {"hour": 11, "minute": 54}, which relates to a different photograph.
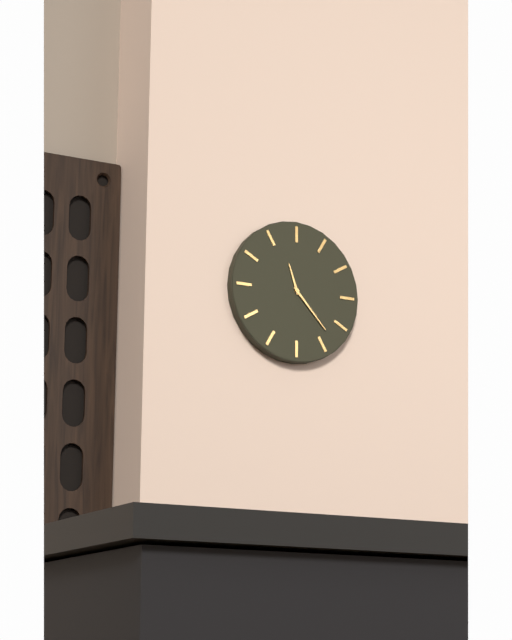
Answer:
{"hour": 11, "minute": 23}
